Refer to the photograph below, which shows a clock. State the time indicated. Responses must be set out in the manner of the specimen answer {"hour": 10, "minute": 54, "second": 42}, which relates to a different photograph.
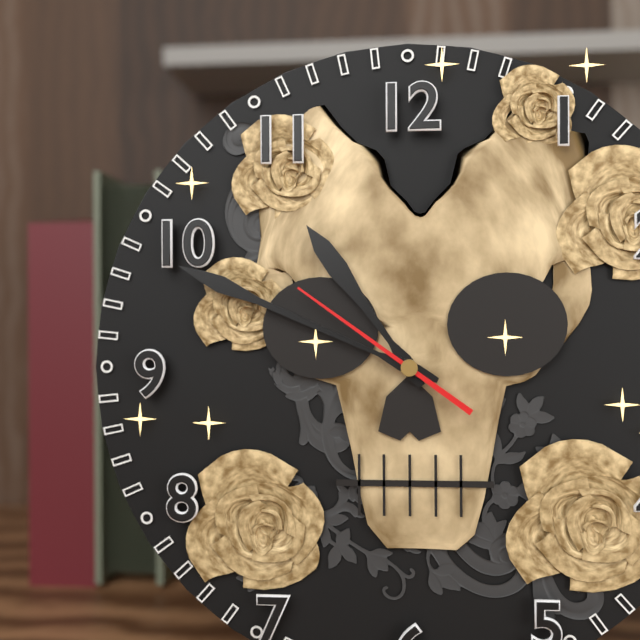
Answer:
{"hour": 10, "minute": 49, "second": 51}
